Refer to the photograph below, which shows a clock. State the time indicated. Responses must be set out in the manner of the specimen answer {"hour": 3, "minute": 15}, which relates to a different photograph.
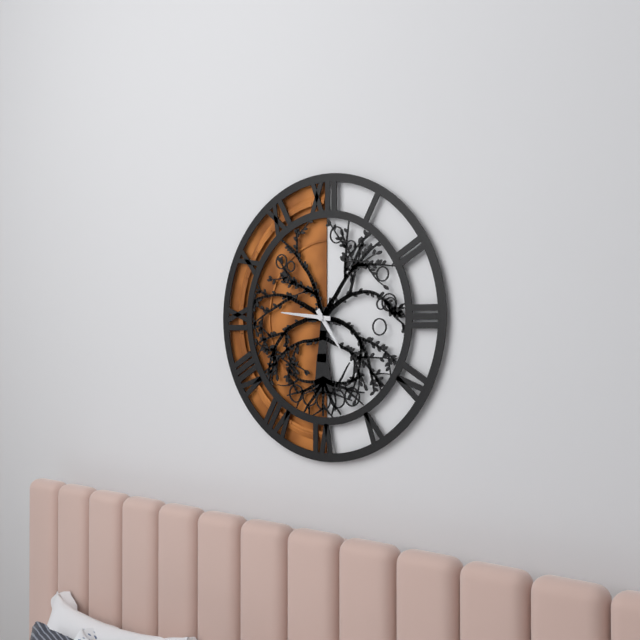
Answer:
{"hour": 4, "minute": 46}
